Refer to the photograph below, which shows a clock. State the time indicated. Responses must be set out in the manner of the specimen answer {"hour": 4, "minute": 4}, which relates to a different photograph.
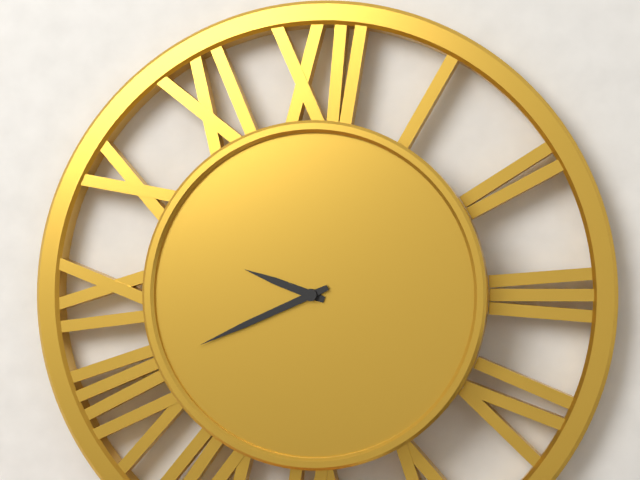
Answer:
{"hour": 9, "minute": 41}
